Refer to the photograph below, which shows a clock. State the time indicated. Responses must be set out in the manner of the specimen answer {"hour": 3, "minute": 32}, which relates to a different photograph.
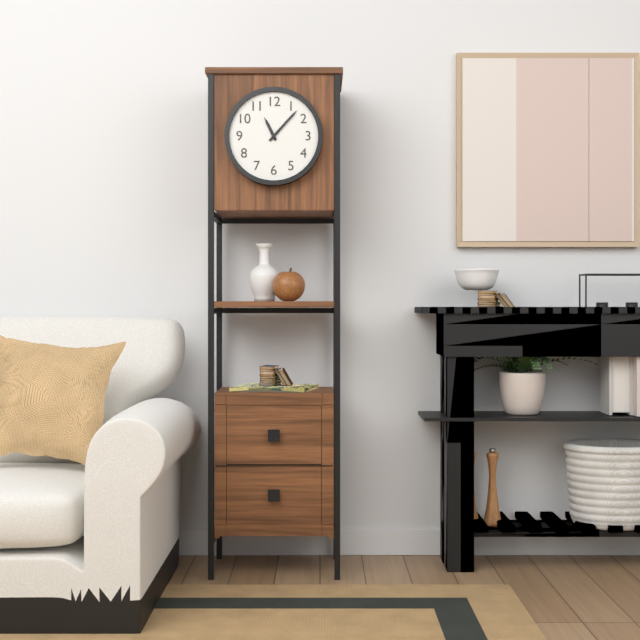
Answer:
{"hour": 11, "minute": 7}
